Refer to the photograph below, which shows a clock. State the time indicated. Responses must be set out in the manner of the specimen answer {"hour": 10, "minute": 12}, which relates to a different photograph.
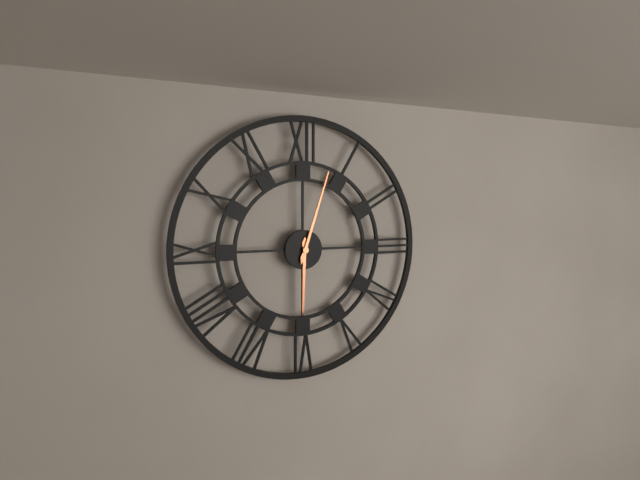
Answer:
{"hour": 6, "minute": 3}
